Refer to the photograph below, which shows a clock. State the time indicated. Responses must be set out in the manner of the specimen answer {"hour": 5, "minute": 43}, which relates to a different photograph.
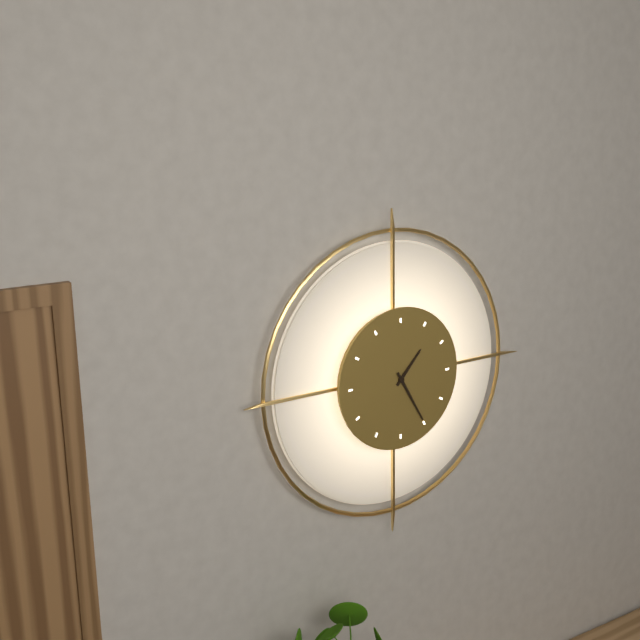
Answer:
{"hour": 1, "minute": 25}
